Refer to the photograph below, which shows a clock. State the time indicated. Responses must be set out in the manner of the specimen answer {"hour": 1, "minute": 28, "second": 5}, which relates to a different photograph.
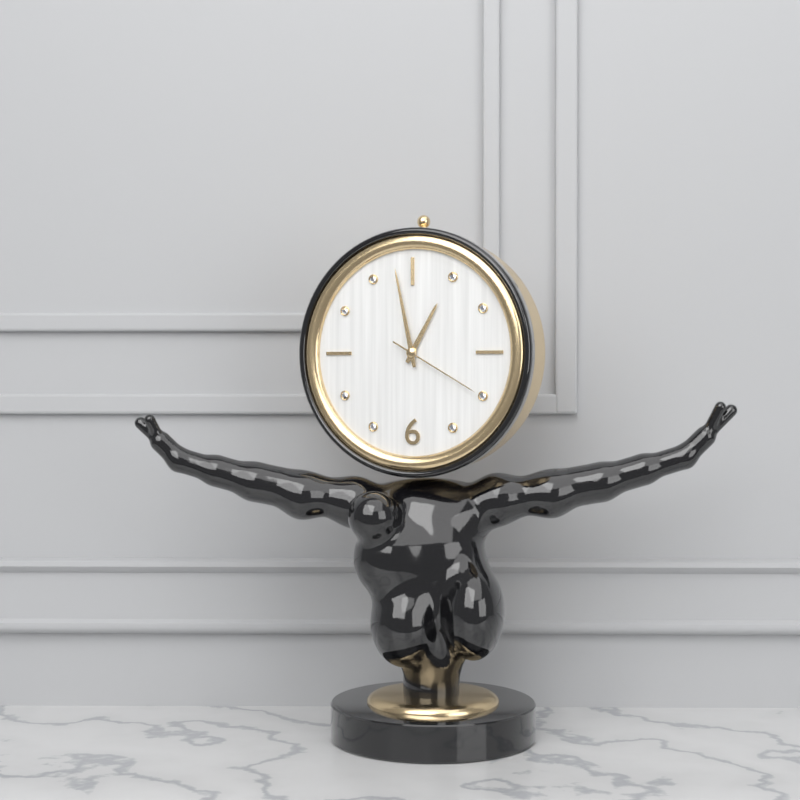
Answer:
{"hour": 12, "minute": 58, "second": 20}
